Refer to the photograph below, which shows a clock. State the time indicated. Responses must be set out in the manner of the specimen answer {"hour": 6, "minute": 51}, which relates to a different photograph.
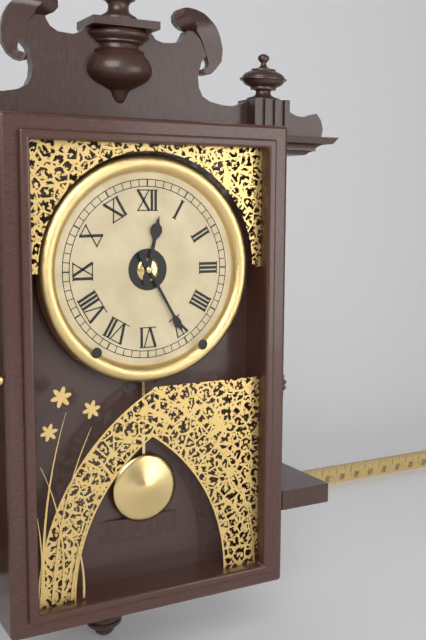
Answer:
{"hour": 12, "minute": 25}
